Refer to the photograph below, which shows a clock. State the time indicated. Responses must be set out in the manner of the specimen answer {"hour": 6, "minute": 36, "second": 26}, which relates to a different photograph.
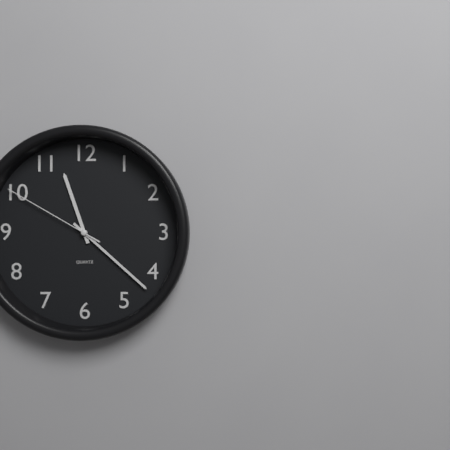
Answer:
{"hour": 11, "minute": 22, "second": 50}
